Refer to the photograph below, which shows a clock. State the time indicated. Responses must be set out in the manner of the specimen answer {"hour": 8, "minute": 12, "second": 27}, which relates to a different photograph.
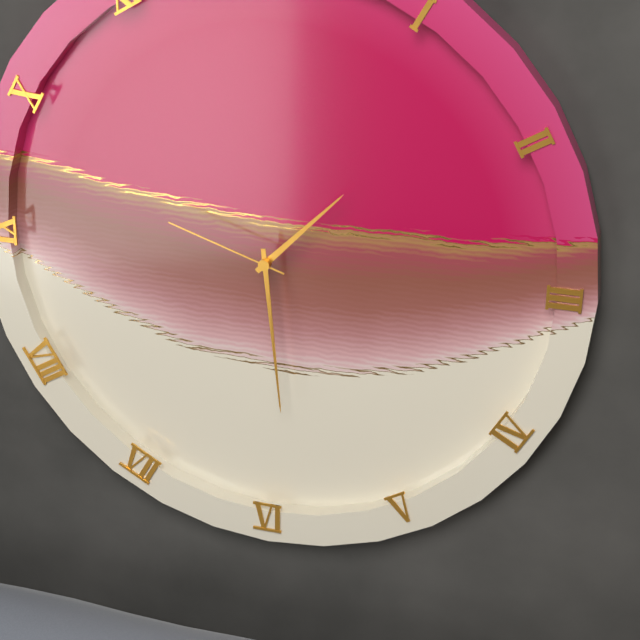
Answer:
{"hour": 1, "minute": 29, "second": 48}
